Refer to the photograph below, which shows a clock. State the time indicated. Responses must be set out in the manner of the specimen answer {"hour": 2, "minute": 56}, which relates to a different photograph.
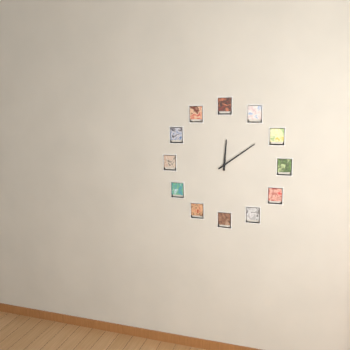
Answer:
{"hour": 12, "minute": 9}
